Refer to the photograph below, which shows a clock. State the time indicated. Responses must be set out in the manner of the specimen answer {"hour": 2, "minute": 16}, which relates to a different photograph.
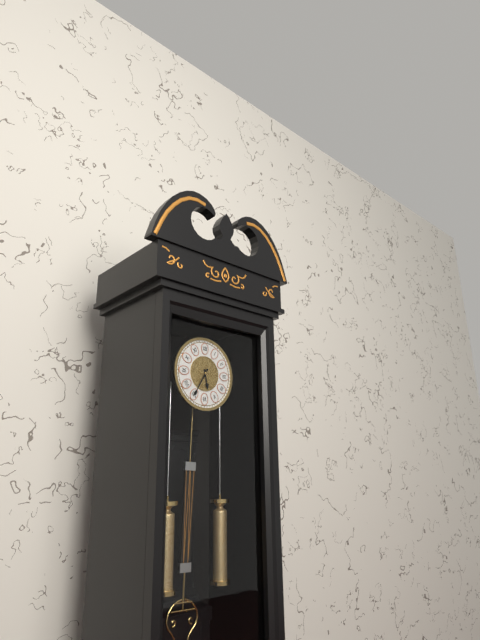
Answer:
{"hour": 5, "minute": 35}
